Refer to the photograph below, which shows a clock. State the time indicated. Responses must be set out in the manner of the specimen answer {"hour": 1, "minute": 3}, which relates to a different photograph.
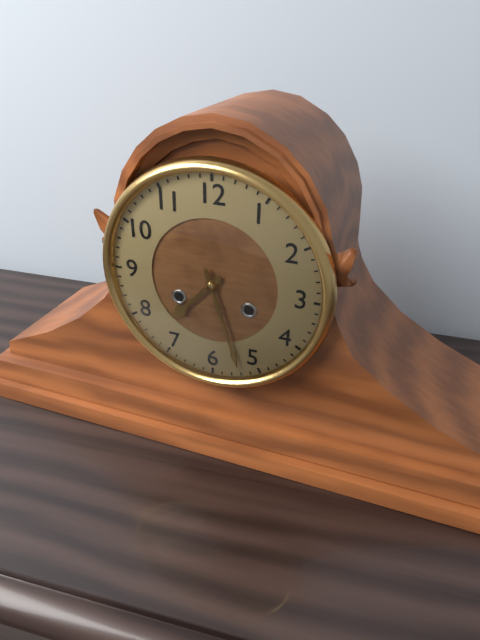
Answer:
{"hour": 7, "minute": 27}
